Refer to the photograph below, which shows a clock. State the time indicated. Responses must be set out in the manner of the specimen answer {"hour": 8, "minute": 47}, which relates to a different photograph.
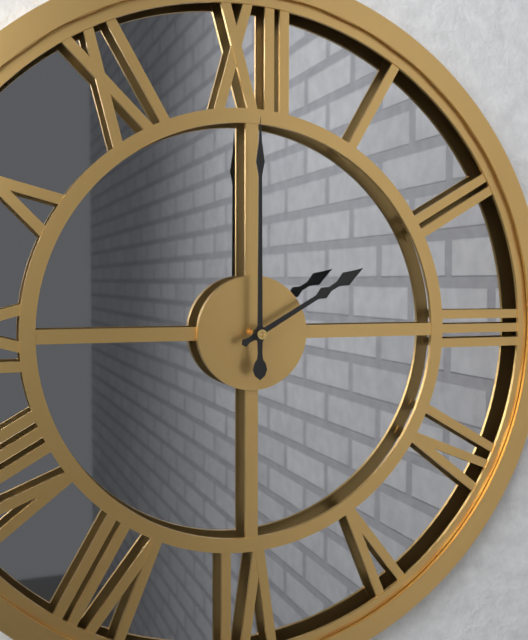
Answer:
{"hour": 2, "minute": 0}
